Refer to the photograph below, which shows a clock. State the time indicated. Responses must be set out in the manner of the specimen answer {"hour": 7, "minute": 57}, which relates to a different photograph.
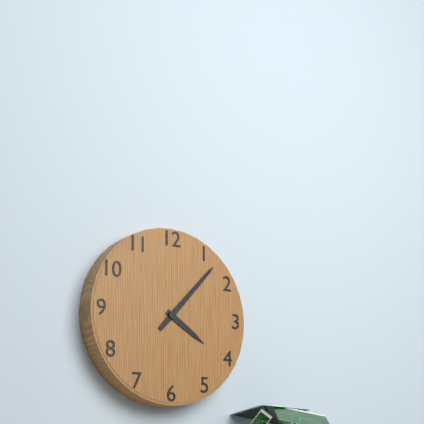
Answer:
{"hour": 4, "minute": 7}
